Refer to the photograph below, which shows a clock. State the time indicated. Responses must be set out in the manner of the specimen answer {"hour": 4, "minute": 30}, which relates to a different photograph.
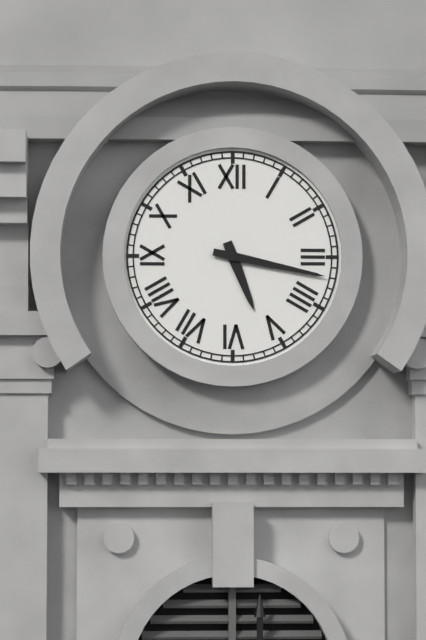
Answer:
{"hour": 5, "minute": 17}
